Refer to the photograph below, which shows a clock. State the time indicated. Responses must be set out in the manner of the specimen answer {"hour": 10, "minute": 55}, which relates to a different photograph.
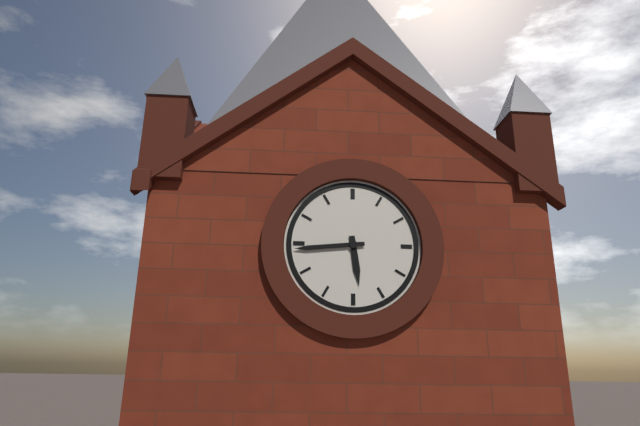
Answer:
{"hour": 5, "minute": 44}
